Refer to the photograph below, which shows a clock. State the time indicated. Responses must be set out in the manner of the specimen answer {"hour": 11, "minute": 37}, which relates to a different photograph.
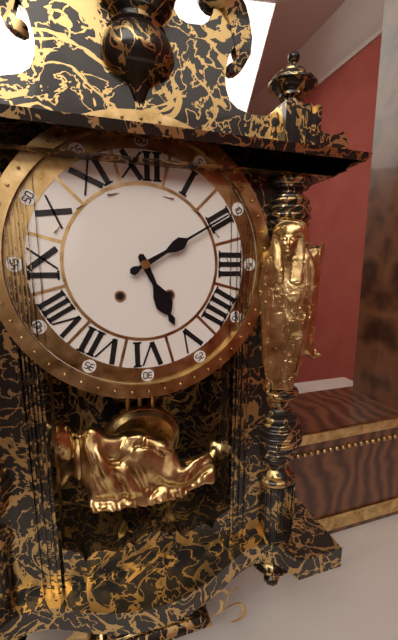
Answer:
{"hour": 5, "minute": 10}
